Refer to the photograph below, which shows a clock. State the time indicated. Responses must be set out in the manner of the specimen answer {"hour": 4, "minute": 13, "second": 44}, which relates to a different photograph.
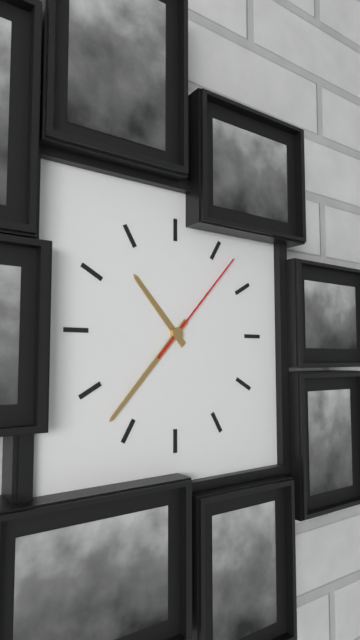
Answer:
{"hour": 10, "minute": 37, "second": 7}
